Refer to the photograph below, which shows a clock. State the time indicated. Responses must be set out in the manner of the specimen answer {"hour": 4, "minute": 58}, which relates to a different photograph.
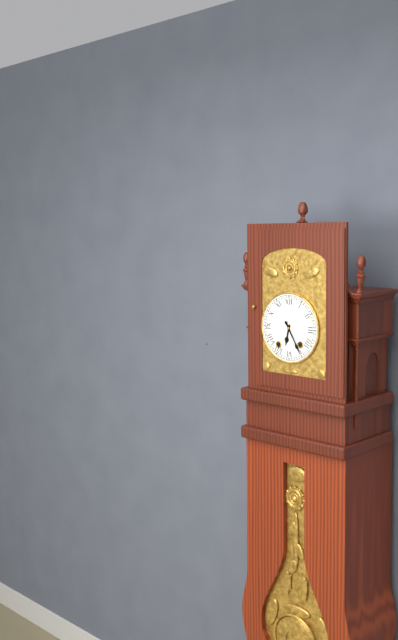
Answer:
{"hour": 6, "minute": 25}
